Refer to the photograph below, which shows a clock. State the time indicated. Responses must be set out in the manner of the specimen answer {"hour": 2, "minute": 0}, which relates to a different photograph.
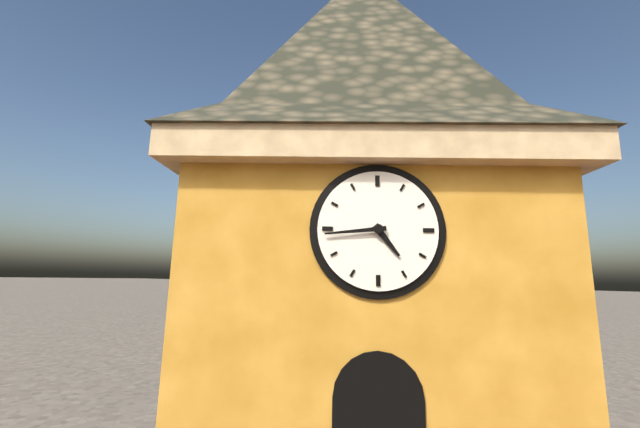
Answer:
{"hour": 4, "minute": 44}
